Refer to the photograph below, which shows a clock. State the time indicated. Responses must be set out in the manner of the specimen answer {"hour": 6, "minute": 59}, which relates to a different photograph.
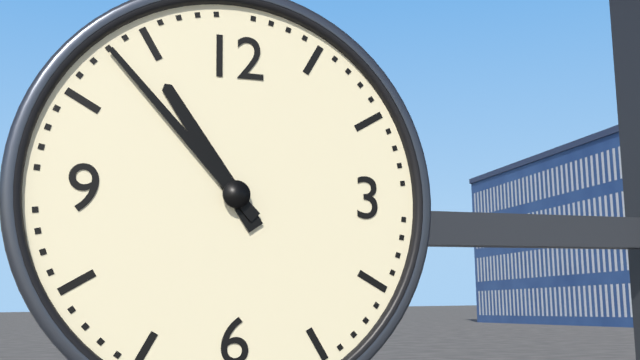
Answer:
{"hour": 10, "minute": 53}
